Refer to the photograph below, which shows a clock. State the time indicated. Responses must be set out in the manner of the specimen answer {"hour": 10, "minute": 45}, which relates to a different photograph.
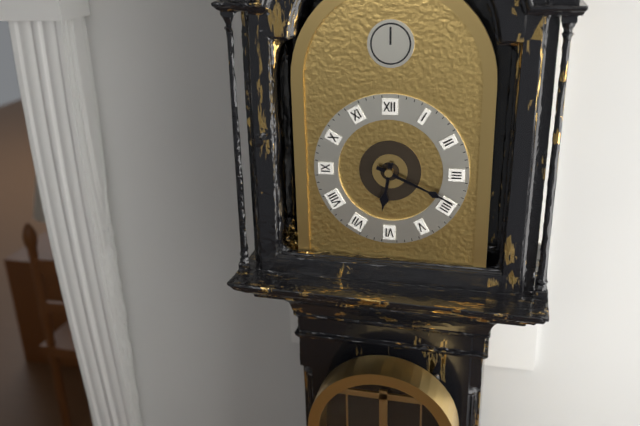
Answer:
{"hour": 6, "minute": 19}
